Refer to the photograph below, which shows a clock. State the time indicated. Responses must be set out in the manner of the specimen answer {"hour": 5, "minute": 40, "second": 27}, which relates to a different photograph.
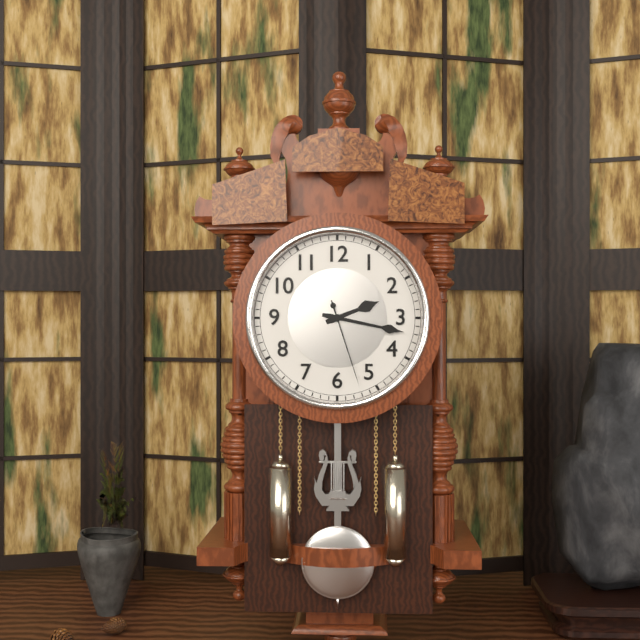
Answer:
{"hour": 2, "minute": 17, "second": 27}
